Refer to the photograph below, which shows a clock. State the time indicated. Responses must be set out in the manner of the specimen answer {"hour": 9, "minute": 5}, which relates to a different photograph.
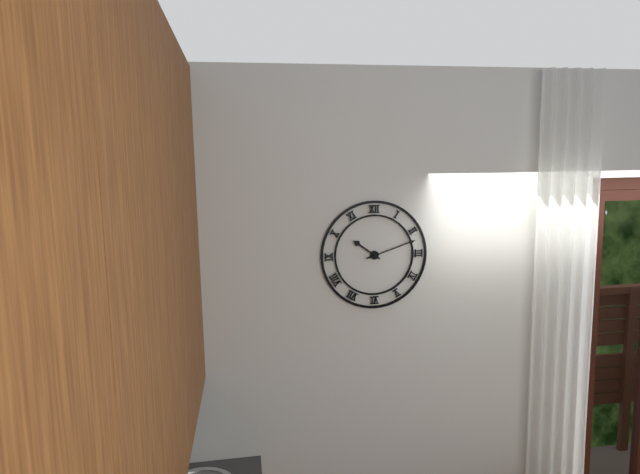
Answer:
{"hour": 10, "minute": 12}
